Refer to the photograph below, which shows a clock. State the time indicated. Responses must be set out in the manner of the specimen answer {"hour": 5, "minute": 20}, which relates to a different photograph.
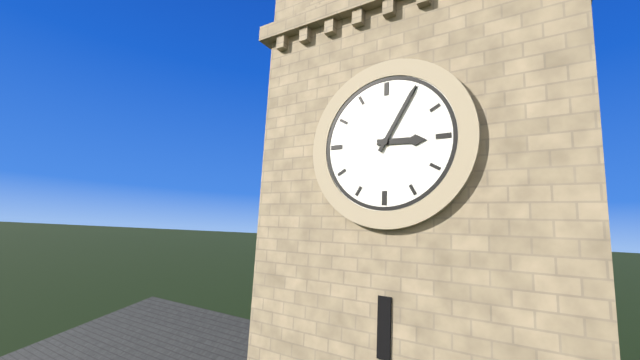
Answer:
{"hour": 3, "minute": 5}
